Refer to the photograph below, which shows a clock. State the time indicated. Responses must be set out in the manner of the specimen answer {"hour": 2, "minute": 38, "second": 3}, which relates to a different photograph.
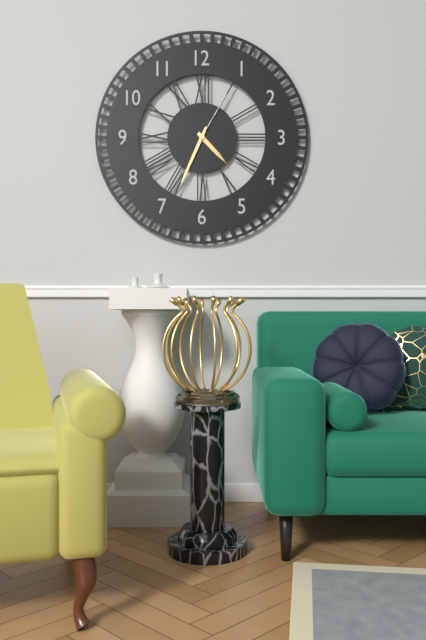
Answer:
{"hour": 4, "minute": 34, "second": 5}
